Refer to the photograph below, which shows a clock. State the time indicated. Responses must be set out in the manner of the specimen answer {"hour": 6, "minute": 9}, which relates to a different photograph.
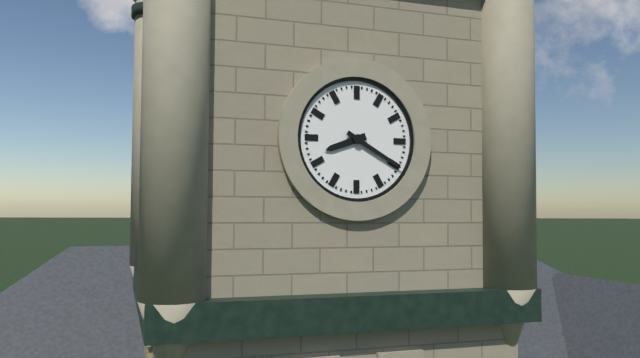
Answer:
{"hour": 8, "minute": 20}
